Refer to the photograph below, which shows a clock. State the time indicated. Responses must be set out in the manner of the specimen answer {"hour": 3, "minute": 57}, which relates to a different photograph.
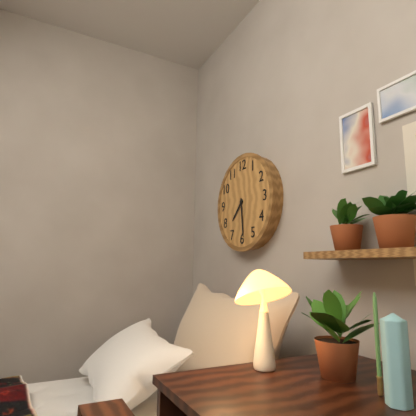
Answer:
{"hour": 7, "minute": 29}
